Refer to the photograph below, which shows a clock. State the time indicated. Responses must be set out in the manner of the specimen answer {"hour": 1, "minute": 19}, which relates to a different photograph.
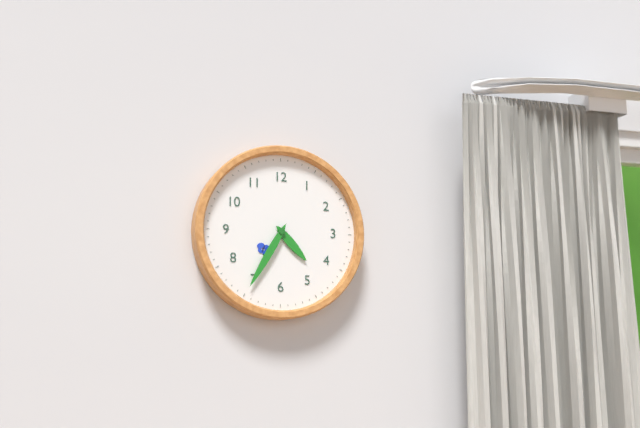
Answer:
{"hour": 4, "minute": 35}
